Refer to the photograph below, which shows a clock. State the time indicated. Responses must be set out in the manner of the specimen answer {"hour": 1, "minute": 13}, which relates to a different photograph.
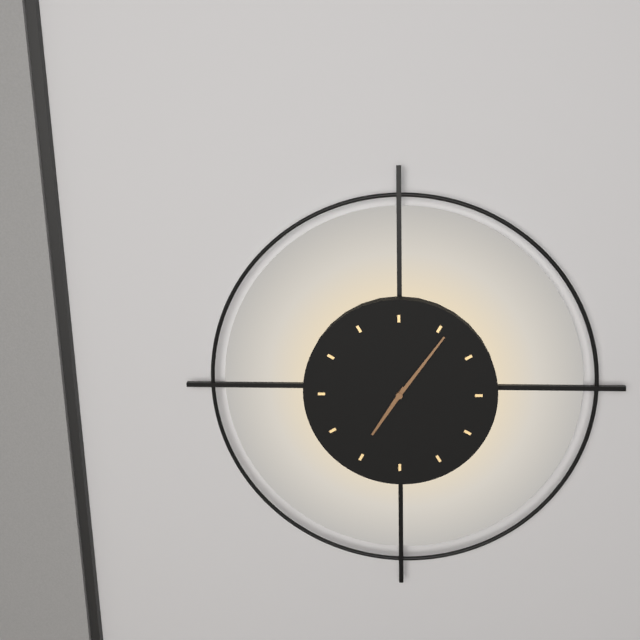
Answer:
{"hour": 7, "minute": 6}
